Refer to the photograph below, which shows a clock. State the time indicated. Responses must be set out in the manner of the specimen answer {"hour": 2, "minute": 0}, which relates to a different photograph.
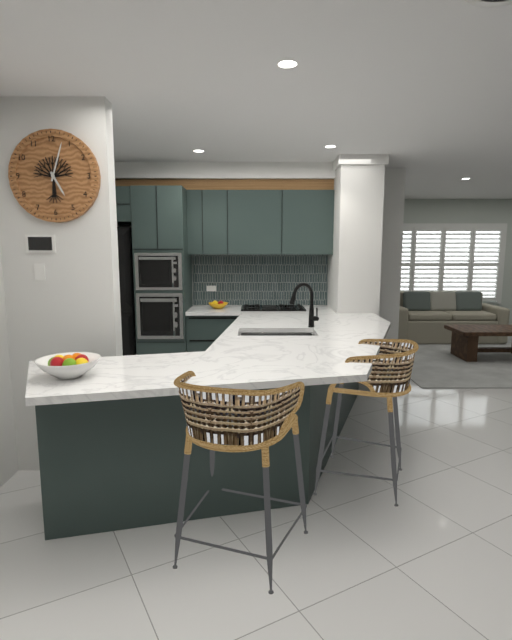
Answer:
{"hour": 5, "minute": 3}
